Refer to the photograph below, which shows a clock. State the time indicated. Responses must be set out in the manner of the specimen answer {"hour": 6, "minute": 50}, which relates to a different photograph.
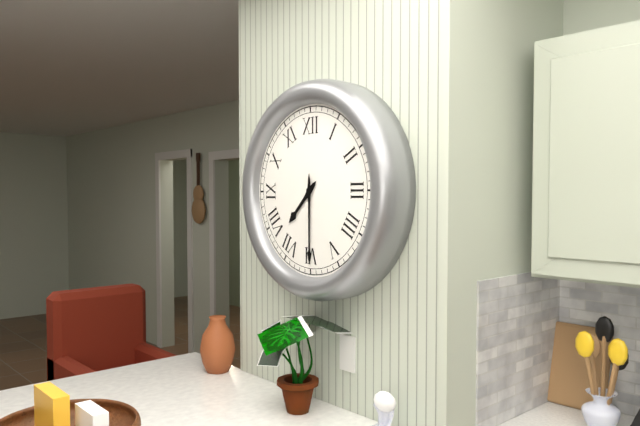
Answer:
{"hour": 7, "minute": 30}
